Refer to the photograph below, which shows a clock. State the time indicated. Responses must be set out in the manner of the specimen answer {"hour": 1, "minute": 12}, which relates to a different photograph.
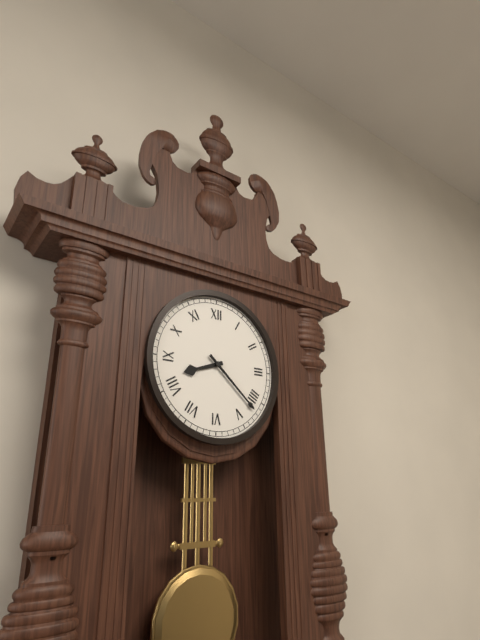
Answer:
{"hour": 8, "minute": 22}
